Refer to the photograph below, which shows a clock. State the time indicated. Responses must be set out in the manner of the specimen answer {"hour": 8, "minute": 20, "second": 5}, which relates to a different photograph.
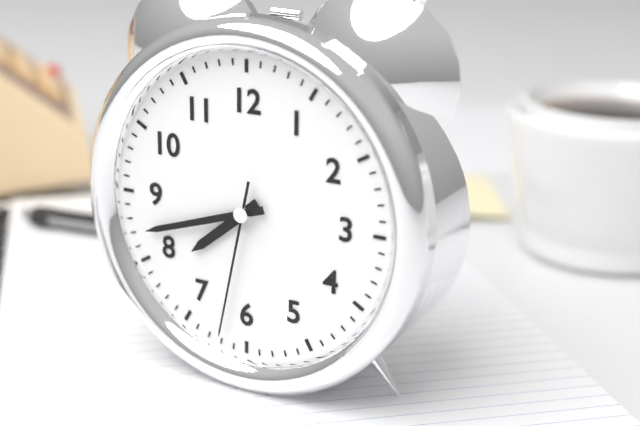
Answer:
{"hour": 7, "minute": 42, "second": 32}
